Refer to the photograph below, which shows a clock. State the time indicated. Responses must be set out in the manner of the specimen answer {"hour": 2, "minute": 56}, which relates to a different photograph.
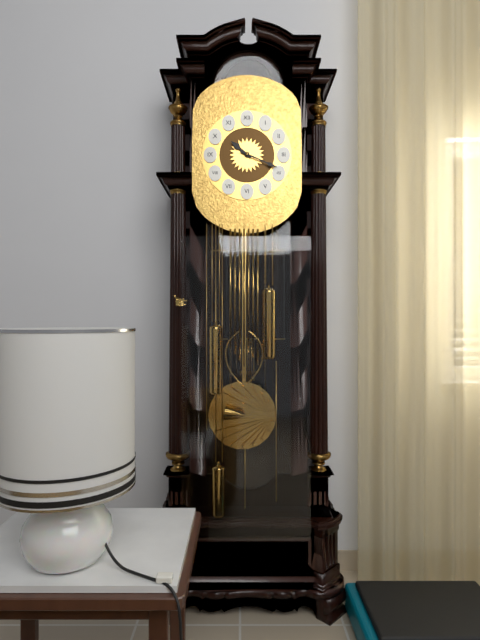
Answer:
{"hour": 10, "minute": 19}
